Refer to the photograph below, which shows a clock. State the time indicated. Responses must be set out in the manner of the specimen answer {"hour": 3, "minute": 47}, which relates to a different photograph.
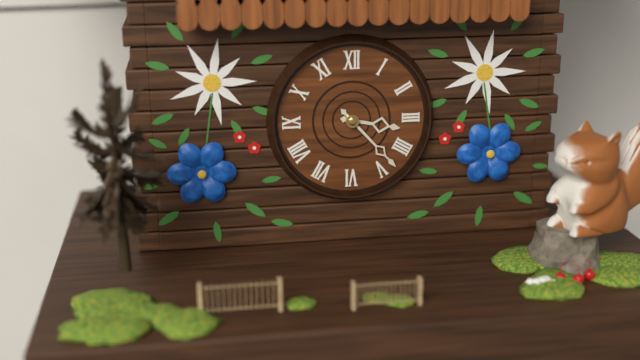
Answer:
{"hour": 3, "minute": 23}
